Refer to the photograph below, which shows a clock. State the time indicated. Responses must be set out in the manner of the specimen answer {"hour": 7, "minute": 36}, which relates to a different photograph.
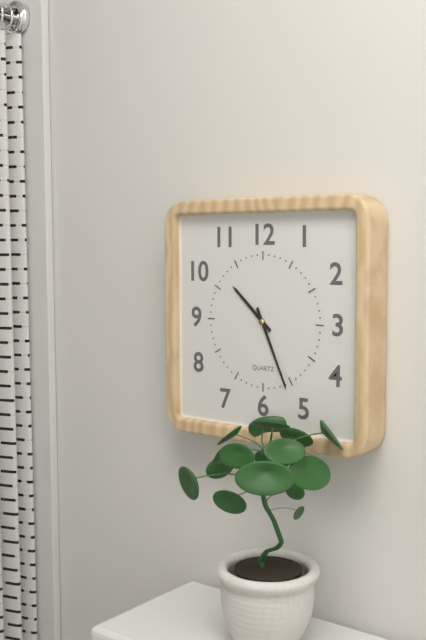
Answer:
{"hour": 10, "minute": 26}
